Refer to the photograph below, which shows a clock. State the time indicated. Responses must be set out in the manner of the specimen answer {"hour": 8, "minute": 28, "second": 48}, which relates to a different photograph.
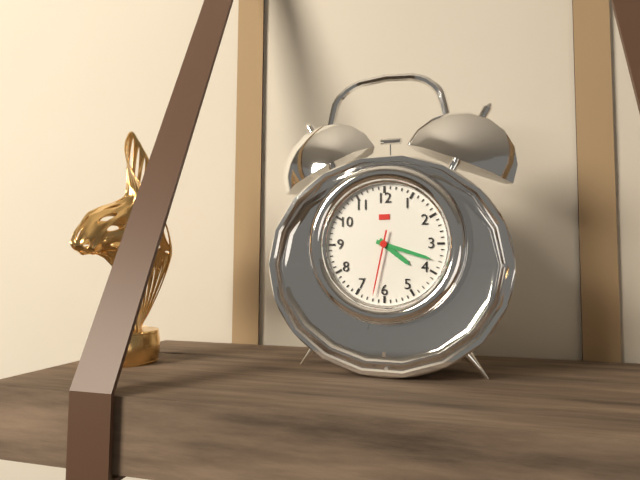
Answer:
{"hour": 4, "minute": 18, "second": 32}
